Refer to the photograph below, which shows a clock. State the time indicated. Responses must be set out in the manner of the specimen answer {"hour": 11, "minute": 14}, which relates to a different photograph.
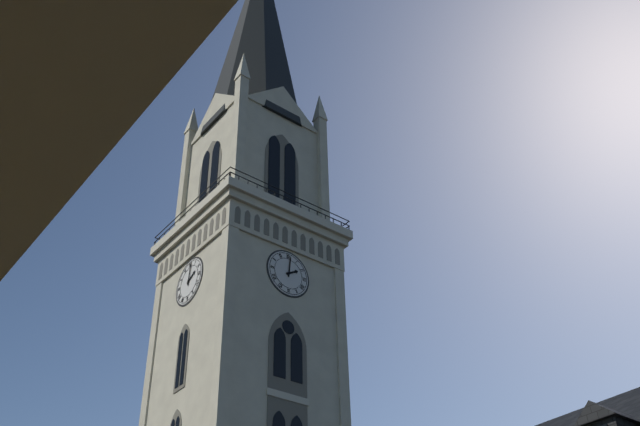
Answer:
{"hour": 2, "minute": 1}
